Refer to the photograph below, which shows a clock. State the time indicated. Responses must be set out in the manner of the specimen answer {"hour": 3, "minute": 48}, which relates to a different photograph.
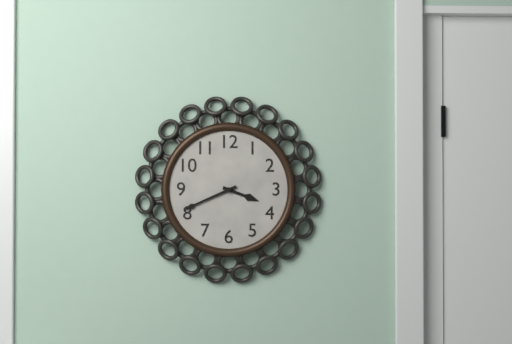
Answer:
{"hour": 3, "minute": 41}
